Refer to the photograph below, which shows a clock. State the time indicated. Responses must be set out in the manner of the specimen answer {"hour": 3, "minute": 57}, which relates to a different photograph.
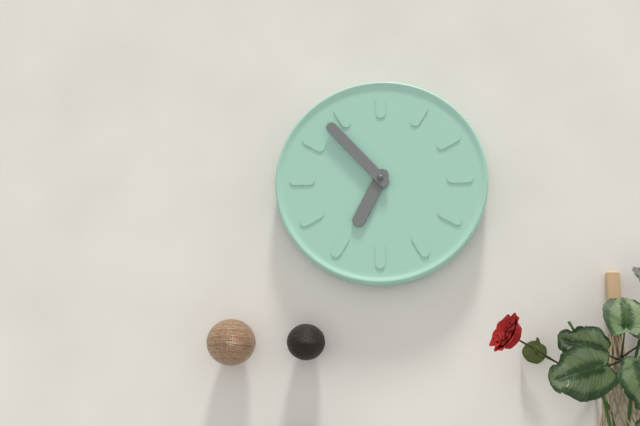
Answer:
{"hour": 6, "minute": 53}
